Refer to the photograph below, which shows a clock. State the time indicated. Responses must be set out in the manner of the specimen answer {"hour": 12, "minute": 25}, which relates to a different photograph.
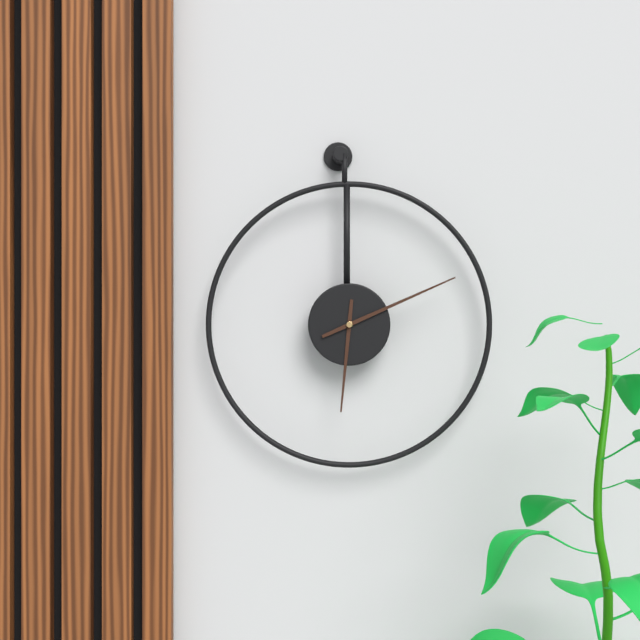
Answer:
{"hour": 6, "minute": 11}
